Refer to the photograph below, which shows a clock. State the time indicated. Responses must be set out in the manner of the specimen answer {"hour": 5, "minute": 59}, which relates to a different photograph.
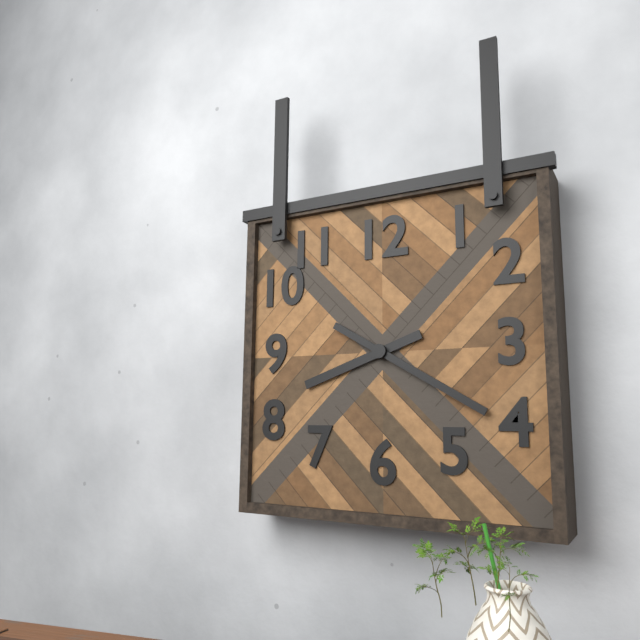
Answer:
{"hour": 8, "minute": 20}
